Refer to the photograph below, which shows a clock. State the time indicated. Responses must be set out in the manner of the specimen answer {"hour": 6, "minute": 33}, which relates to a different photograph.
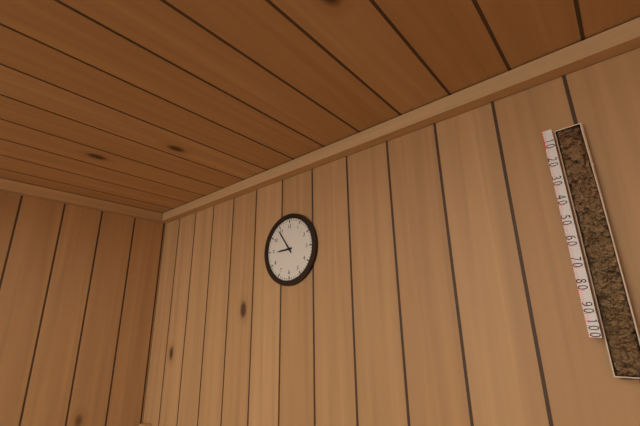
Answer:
{"hour": 8, "minute": 54}
